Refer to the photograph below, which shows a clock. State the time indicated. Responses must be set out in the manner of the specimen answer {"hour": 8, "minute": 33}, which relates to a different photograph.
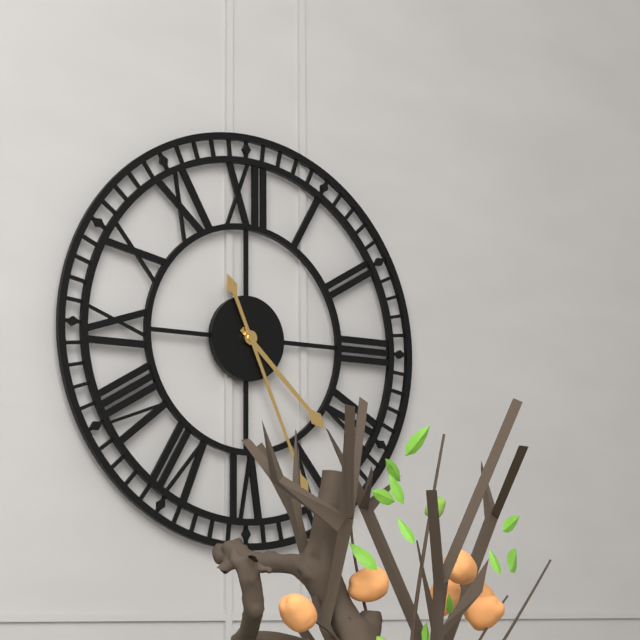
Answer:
{"hour": 4, "minute": 26}
